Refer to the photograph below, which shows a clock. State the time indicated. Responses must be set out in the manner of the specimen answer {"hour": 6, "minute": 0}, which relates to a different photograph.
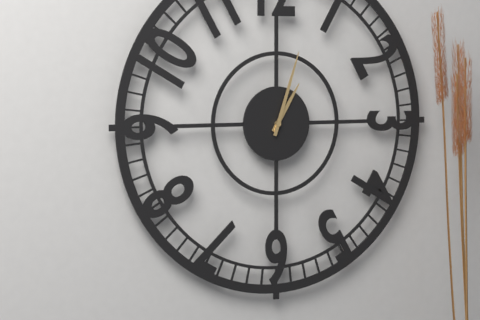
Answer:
{"hour": 1, "minute": 3}
